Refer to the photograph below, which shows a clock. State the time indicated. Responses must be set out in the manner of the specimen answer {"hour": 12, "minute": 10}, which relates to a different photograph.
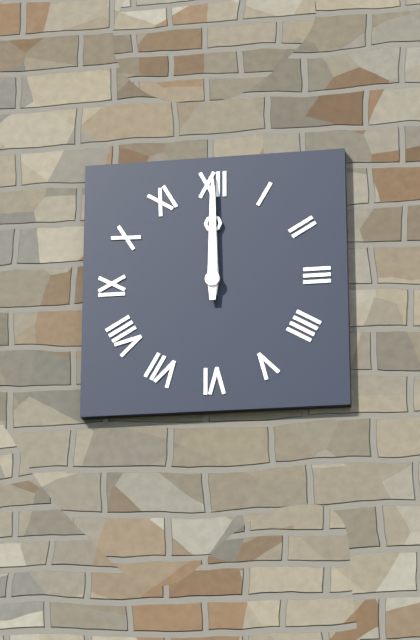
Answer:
{"hour": 12, "minute": 0}
